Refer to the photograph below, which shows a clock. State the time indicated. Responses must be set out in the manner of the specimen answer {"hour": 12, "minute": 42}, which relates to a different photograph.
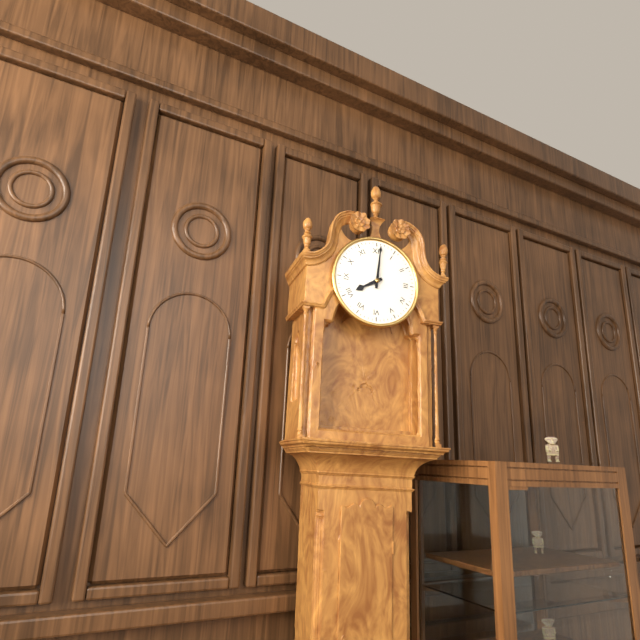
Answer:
{"hour": 8, "minute": 1}
